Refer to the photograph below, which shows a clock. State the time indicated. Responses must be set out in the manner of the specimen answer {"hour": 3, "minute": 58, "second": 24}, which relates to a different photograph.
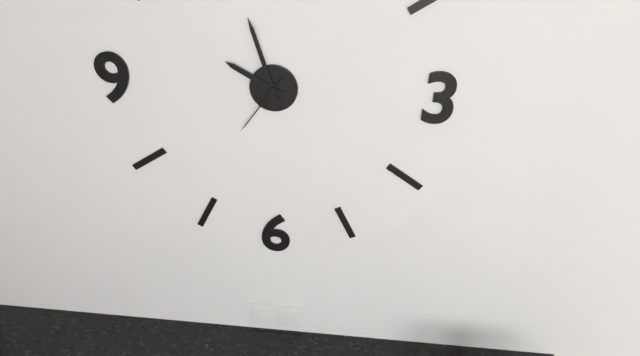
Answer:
{"hour": 9, "minute": 57, "second": 36}
